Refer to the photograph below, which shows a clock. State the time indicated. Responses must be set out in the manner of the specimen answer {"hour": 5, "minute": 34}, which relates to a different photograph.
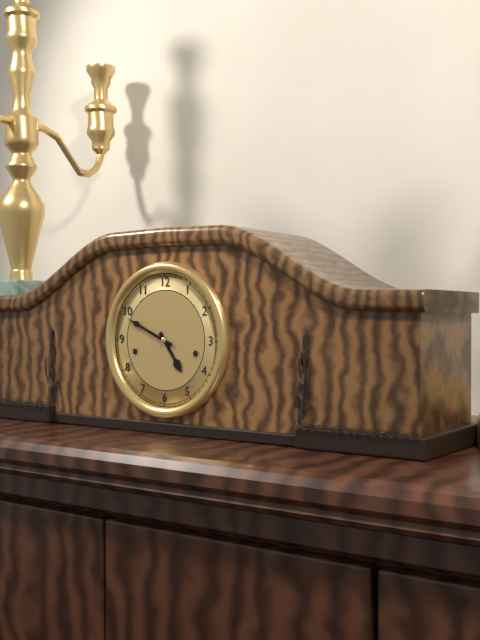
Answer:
{"hour": 4, "minute": 49}
